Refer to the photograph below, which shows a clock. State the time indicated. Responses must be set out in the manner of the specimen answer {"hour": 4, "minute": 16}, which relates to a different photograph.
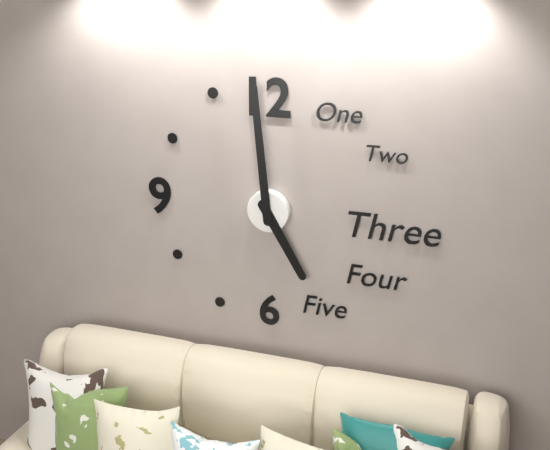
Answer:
{"hour": 4, "minute": 59}
